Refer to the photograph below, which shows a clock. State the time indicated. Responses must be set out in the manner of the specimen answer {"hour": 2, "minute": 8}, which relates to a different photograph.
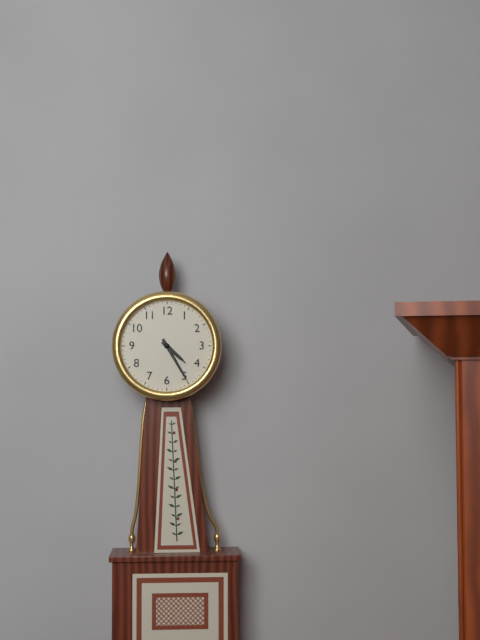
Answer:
{"hour": 4, "minute": 25}
